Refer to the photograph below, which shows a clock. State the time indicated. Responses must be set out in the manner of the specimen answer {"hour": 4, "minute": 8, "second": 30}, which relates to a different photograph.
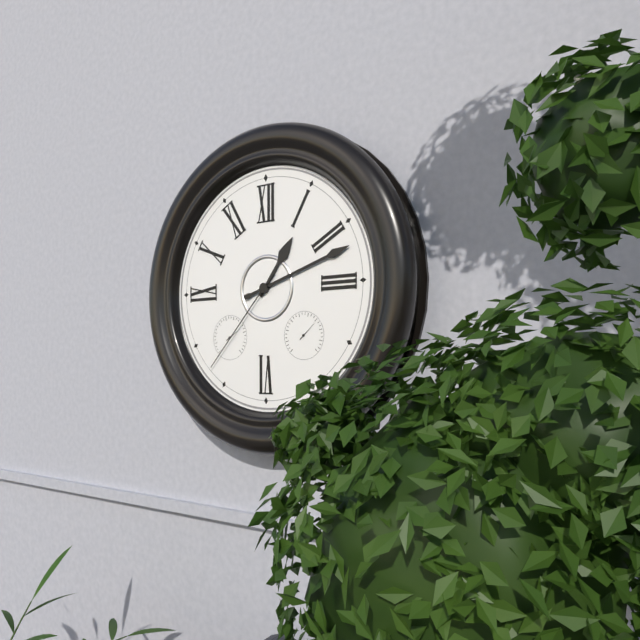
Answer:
{"hour": 1, "minute": 12, "second": 37}
